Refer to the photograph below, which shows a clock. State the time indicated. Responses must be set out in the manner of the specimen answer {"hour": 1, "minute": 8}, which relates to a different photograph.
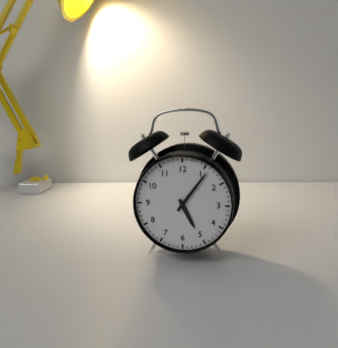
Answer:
{"hour": 5, "minute": 6}
